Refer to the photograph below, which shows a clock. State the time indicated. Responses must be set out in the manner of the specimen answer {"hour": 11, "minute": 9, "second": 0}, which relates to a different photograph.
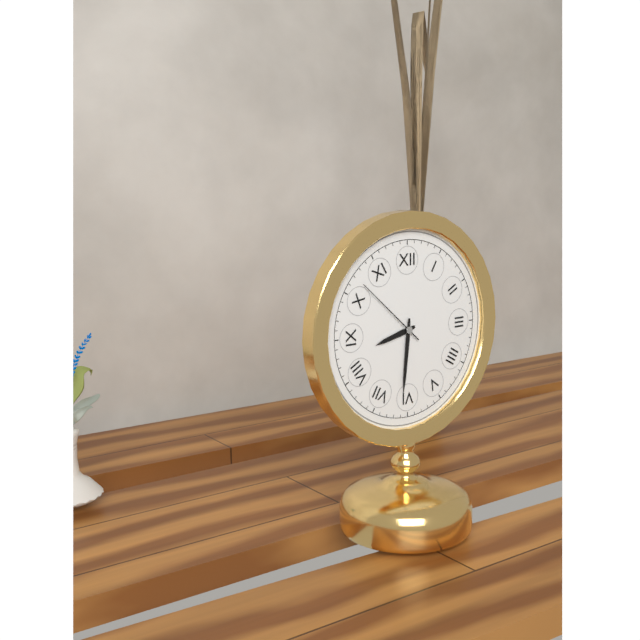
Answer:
{"hour": 8, "minute": 31, "second": 52}
